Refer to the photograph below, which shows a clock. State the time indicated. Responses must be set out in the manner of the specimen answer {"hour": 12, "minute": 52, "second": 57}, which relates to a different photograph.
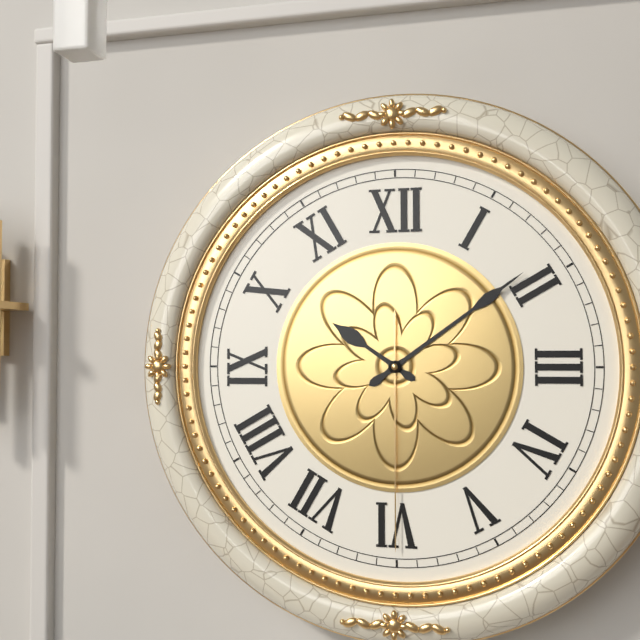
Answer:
{"hour": 10, "minute": 9, "second": 30}
